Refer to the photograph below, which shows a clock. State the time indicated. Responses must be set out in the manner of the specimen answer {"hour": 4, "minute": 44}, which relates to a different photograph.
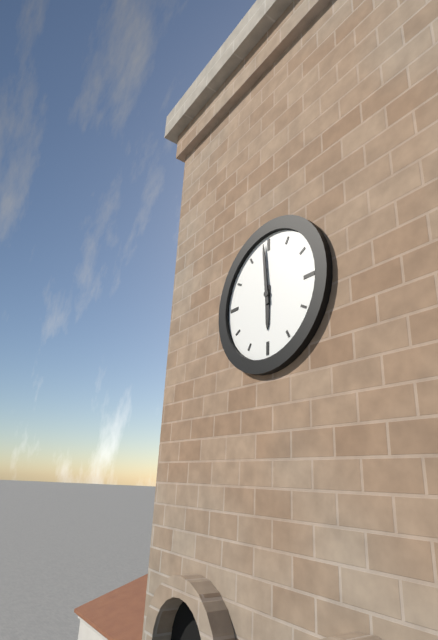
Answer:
{"hour": 5, "minute": 59}
